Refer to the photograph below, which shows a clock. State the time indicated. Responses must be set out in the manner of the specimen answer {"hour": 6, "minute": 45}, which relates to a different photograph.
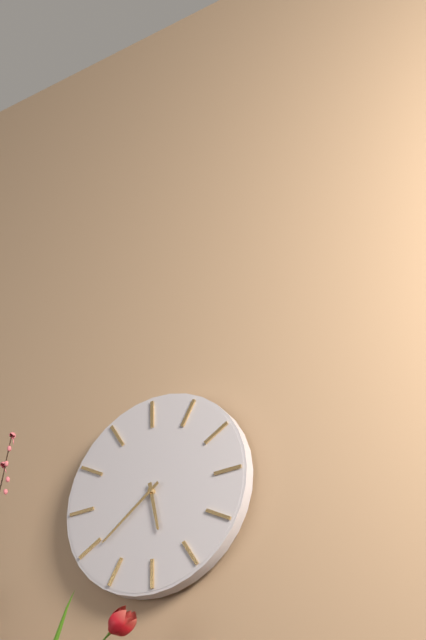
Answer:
{"hour": 5, "minute": 39}
